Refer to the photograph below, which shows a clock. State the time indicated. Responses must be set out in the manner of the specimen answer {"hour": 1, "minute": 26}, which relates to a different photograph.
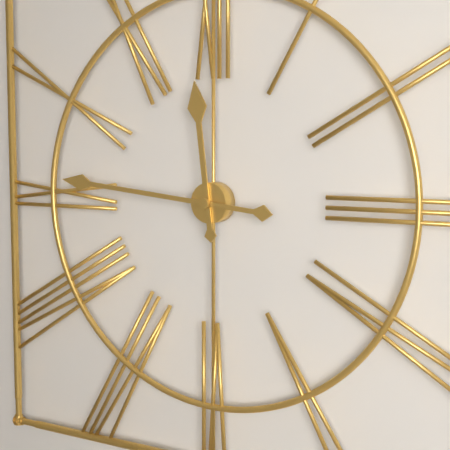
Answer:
{"hour": 11, "minute": 46}
